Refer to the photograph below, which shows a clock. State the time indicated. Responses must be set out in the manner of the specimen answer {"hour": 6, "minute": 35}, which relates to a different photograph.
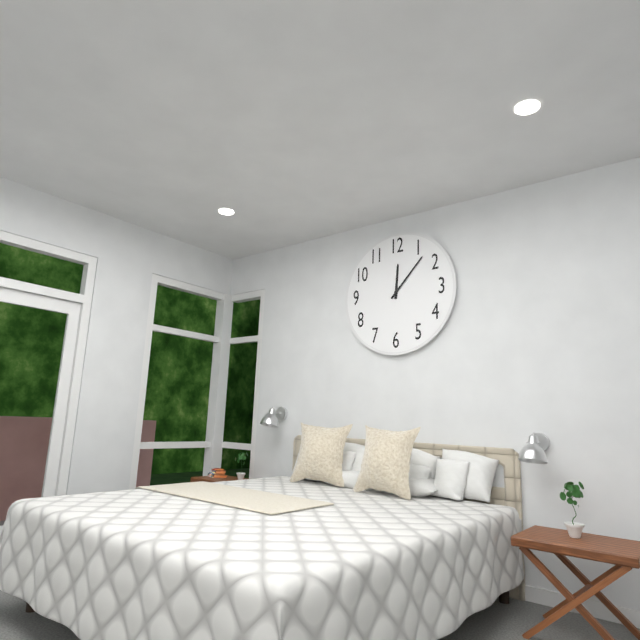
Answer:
{"hour": 12, "minute": 7}
